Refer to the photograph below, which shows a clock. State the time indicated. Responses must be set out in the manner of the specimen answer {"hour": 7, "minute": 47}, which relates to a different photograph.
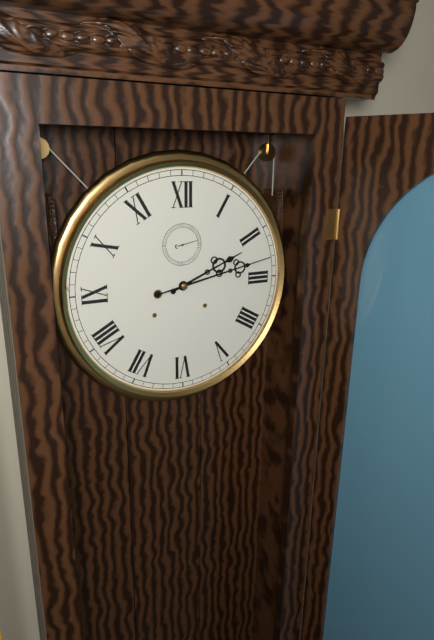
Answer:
{"hour": 2, "minute": 13}
